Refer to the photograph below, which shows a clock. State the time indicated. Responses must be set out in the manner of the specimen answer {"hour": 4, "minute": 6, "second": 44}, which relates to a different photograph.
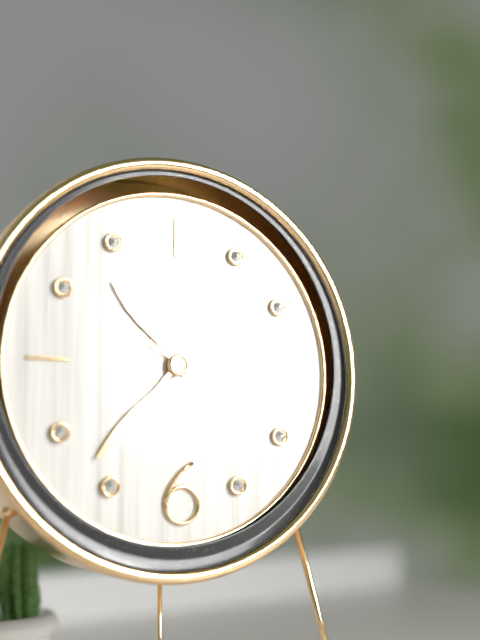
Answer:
{"hour": 10, "minute": 37, "second": 21}
